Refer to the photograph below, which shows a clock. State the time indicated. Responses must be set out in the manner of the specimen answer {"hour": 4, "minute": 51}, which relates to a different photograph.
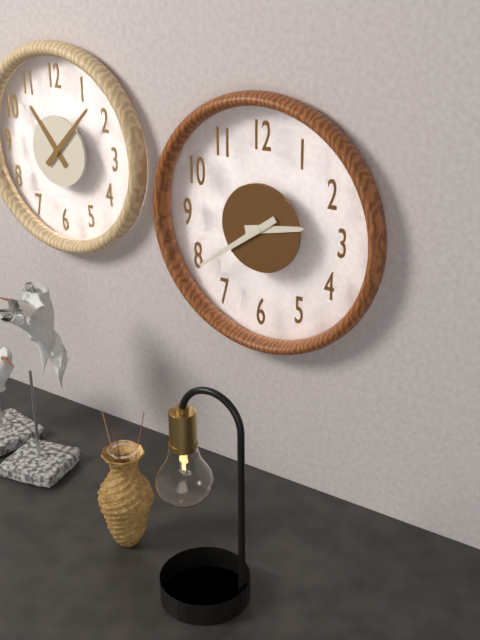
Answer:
{"hour": 2, "minute": 39}
